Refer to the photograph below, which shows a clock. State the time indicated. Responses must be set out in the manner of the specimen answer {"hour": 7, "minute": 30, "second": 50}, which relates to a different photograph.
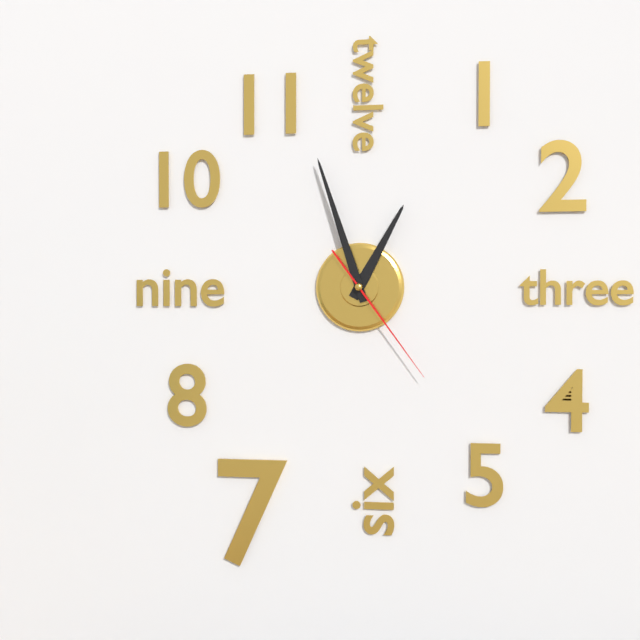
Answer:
{"hour": 12, "minute": 57, "second": 24}
